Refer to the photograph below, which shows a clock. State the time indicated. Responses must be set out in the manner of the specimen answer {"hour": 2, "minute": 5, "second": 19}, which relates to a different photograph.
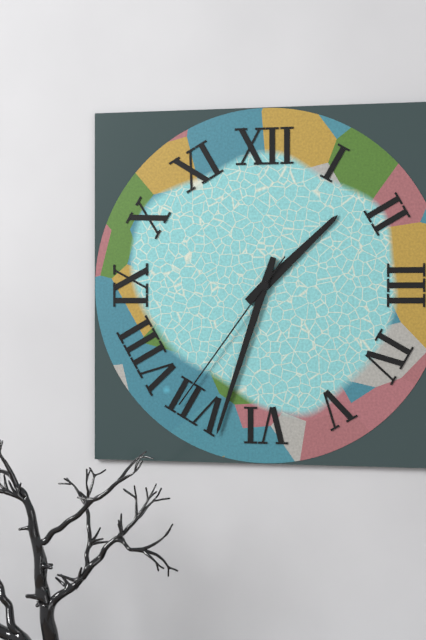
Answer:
{"hour": 1, "minute": 33, "second": 36}
